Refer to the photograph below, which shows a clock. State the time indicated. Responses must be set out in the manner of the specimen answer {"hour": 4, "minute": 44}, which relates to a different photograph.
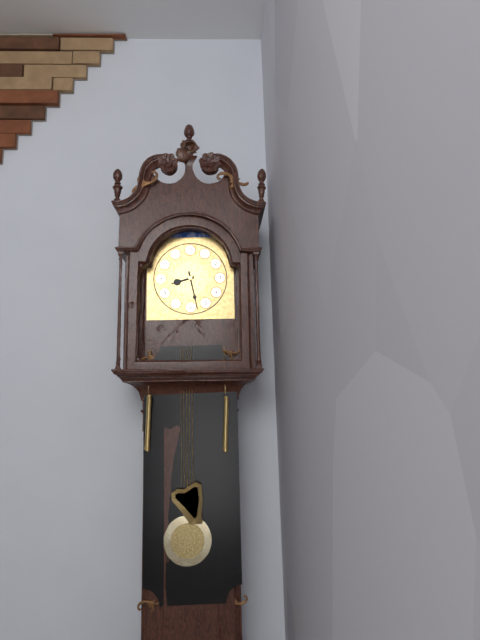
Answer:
{"hour": 8, "minute": 28}
